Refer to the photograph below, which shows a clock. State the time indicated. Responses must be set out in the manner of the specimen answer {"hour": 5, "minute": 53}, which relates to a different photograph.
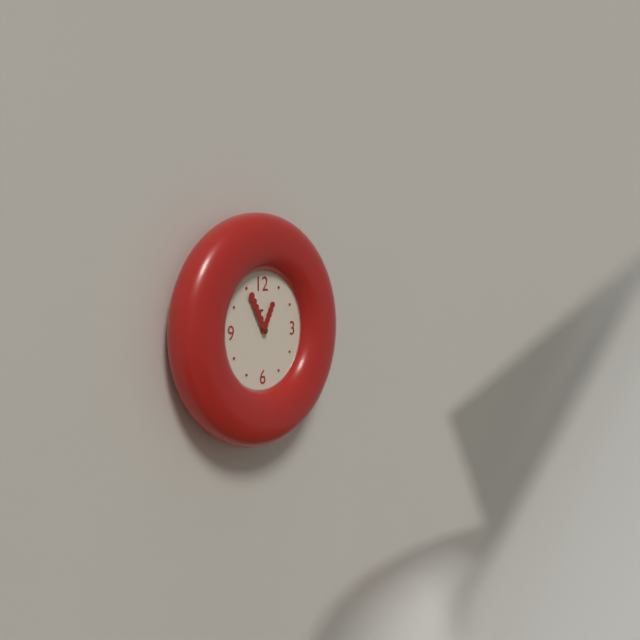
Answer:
{"hour": 12, "minute": 55}
